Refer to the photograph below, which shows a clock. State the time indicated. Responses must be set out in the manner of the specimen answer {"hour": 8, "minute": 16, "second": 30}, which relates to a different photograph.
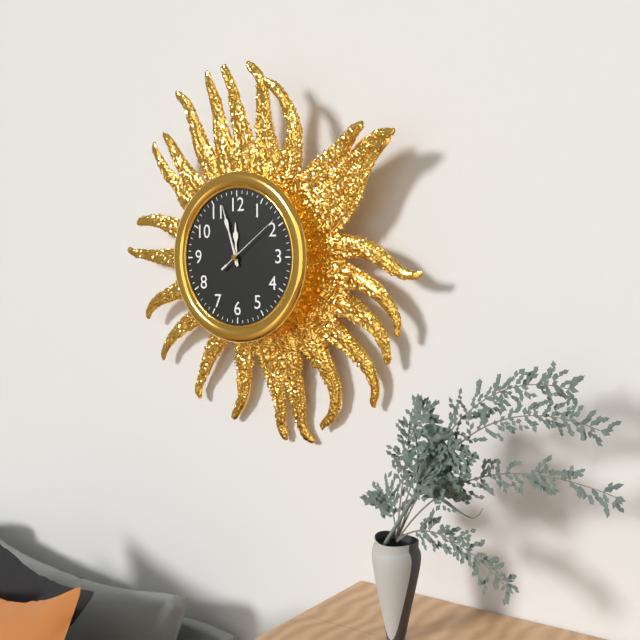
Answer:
{"hour": 11, "minute": 57, "second": 9}
